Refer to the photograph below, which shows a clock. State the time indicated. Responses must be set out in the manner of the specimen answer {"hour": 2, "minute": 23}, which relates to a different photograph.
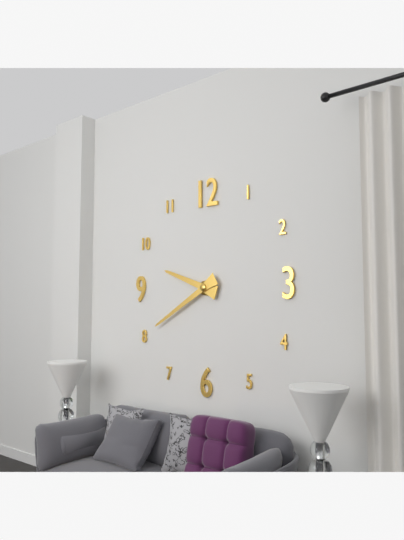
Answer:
{"hour": 9, "minute": 40}
